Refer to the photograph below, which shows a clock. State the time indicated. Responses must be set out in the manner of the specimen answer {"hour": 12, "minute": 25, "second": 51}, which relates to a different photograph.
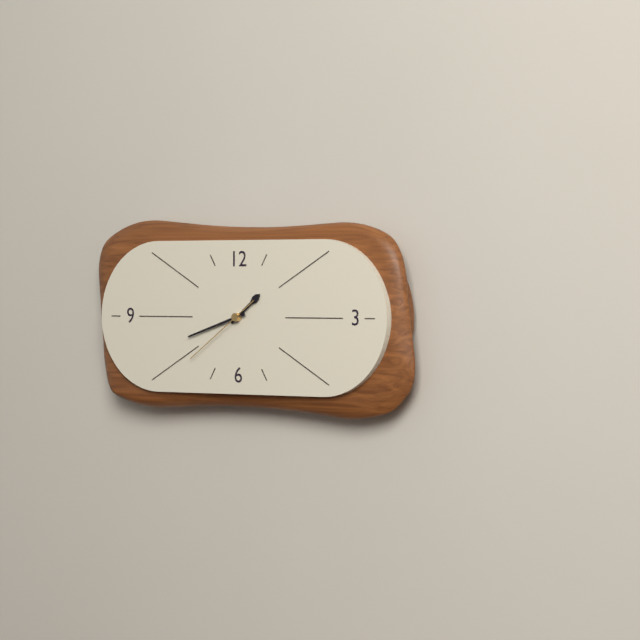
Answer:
{"hour": 1, "minute": 42, "second": 39}
